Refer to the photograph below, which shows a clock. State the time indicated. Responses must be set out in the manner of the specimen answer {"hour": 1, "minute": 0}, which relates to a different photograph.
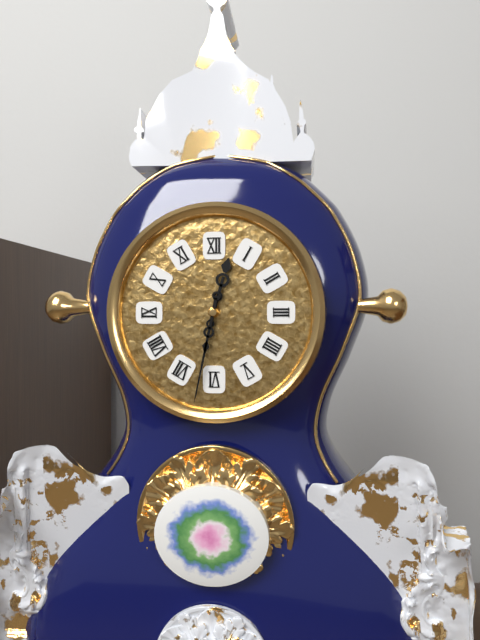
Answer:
{"hour": 12, "minute": 32}
